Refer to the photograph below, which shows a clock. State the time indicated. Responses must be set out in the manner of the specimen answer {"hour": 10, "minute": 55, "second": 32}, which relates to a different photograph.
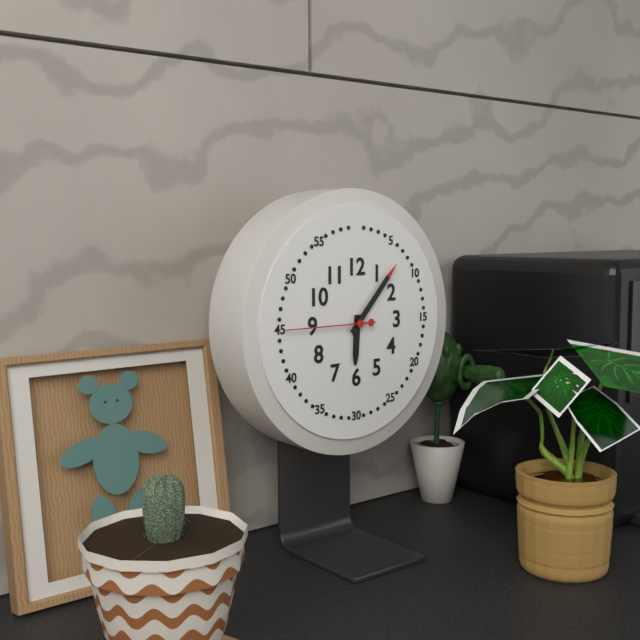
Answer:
{"hour": 6, "minute": 7, "second": 45}
